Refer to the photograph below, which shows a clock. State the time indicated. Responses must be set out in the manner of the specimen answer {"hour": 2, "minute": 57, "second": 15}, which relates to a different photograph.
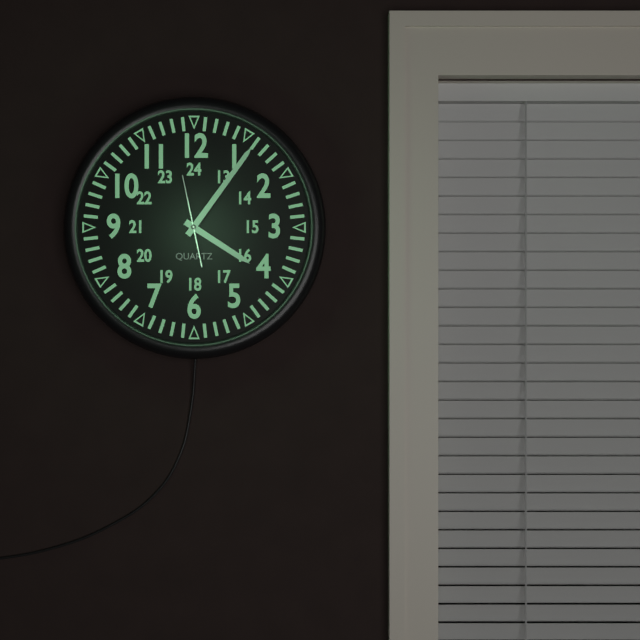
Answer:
{"hour": 4, "minute": 6, "second": 58}
